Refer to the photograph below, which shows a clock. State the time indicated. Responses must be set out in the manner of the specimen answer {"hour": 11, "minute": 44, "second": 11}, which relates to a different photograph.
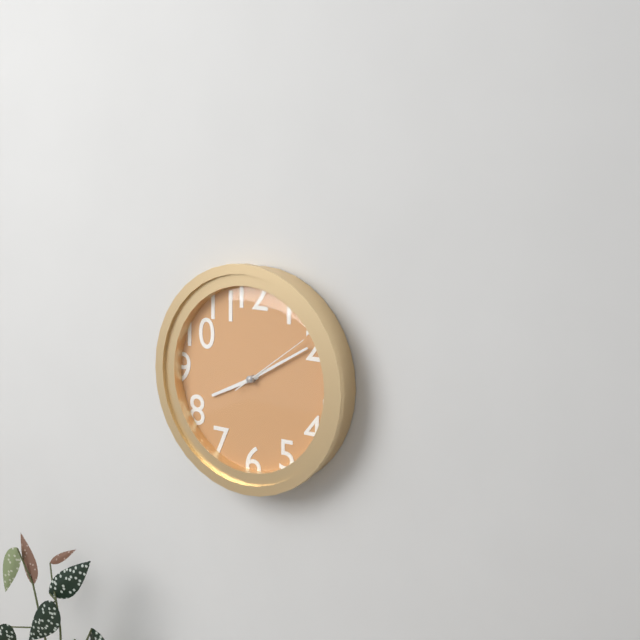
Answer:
{"hour": 8, "minute": 10, "second": 9}
